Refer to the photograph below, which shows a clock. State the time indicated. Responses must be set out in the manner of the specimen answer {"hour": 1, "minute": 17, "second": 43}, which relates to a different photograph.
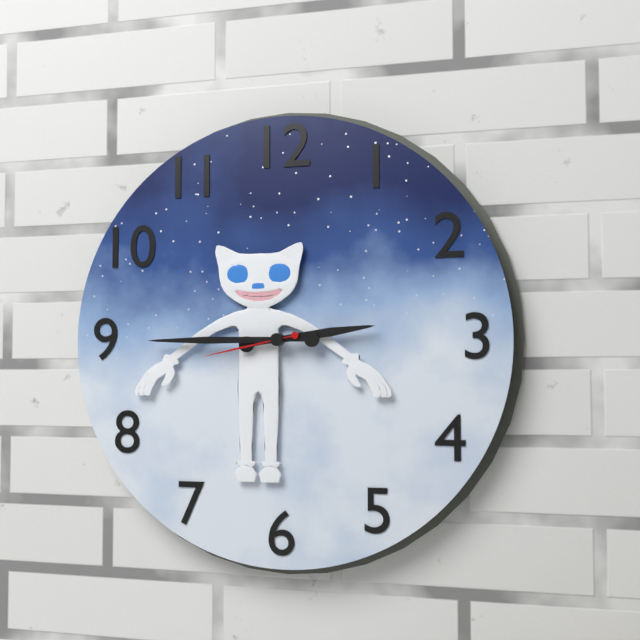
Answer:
{"hour": 2, "minute": 45, "second": 43}
